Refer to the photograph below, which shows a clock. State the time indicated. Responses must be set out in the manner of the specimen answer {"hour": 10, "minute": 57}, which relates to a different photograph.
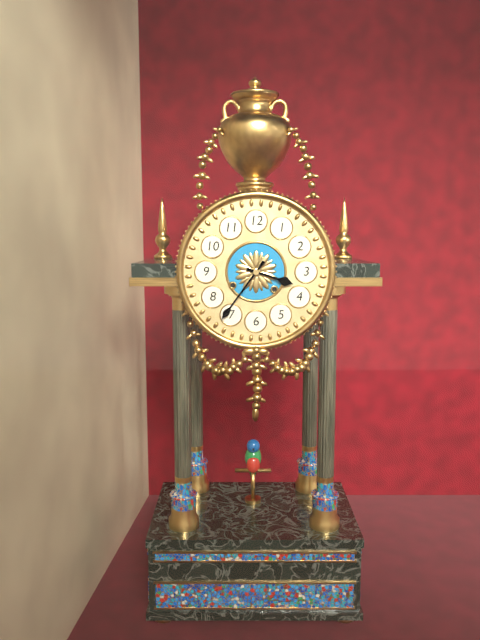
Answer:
{"hour": 3, "minute": 36}
